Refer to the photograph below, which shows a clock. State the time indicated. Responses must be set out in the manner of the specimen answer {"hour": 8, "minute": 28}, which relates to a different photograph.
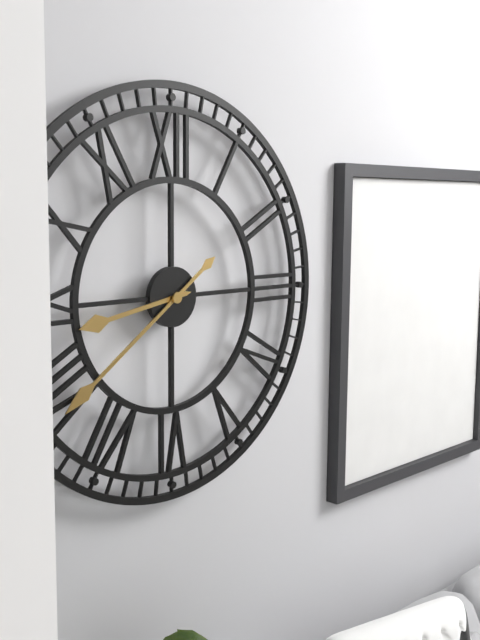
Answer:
{"hour": 8, "minute": 39}
